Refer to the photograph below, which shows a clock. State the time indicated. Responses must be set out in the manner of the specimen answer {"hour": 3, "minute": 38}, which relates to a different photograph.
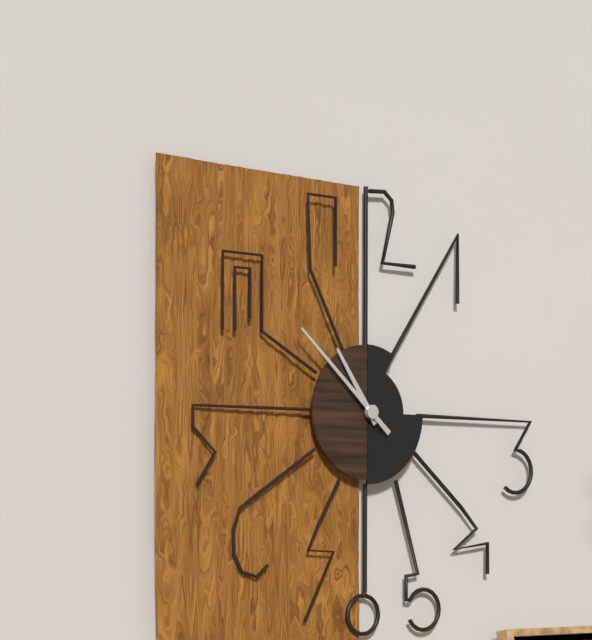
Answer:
{"hour": 10, "minute": 52}
